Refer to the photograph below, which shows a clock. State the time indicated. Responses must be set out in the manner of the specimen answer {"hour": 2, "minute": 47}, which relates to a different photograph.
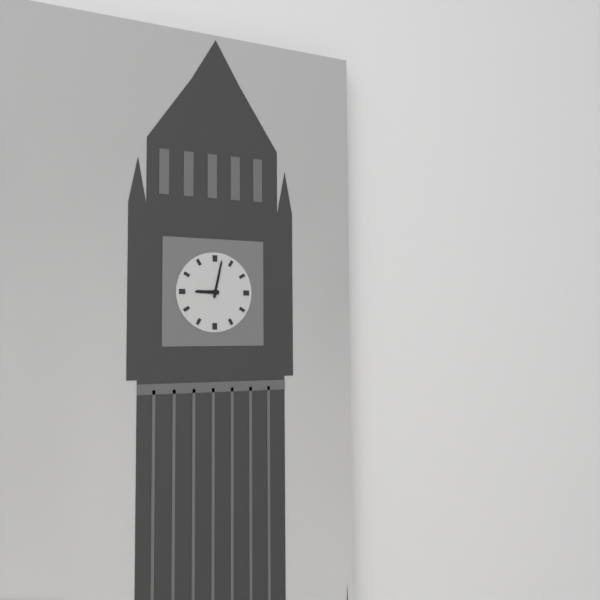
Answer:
{"hour": 9, "minute": 2}
